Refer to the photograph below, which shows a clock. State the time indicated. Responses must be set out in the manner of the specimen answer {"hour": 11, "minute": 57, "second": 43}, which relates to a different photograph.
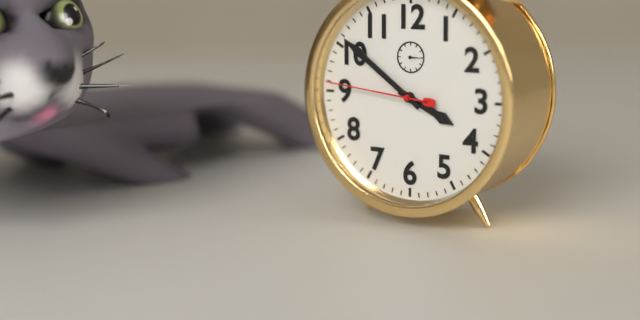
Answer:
{"hour": 3, "minute": 51, "second": 46}
